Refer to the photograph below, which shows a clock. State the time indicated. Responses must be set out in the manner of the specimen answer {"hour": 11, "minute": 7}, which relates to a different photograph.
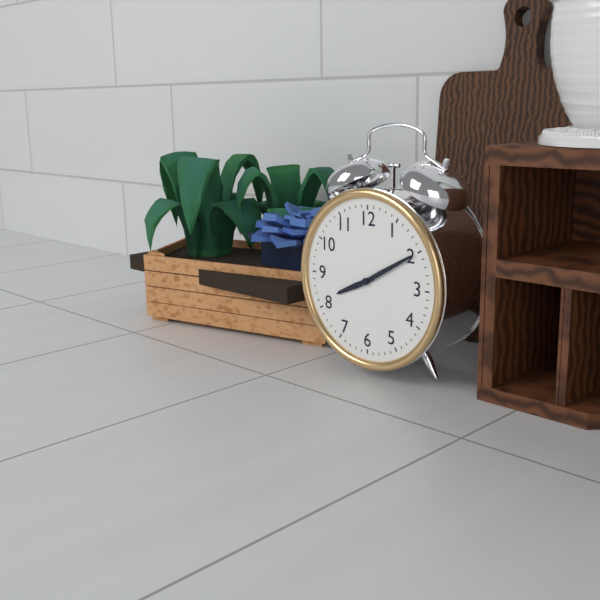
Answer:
{"hour": 8, "minute": 10}
